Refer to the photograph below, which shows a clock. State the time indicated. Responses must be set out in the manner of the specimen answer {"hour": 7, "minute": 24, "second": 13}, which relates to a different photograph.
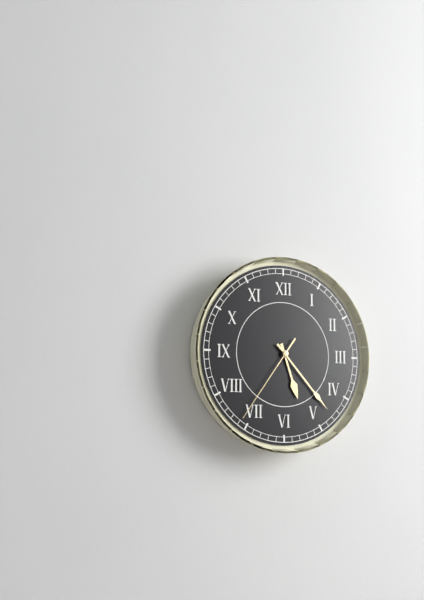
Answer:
{"hour": 5, "minute": 23, "second": 36}
